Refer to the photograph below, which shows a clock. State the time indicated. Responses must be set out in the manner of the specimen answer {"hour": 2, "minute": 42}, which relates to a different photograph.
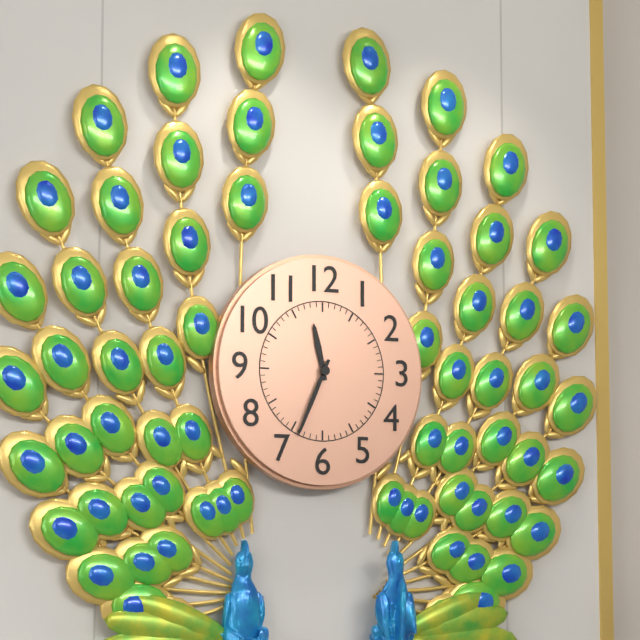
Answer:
{"hour": 11, "minute": 34}
